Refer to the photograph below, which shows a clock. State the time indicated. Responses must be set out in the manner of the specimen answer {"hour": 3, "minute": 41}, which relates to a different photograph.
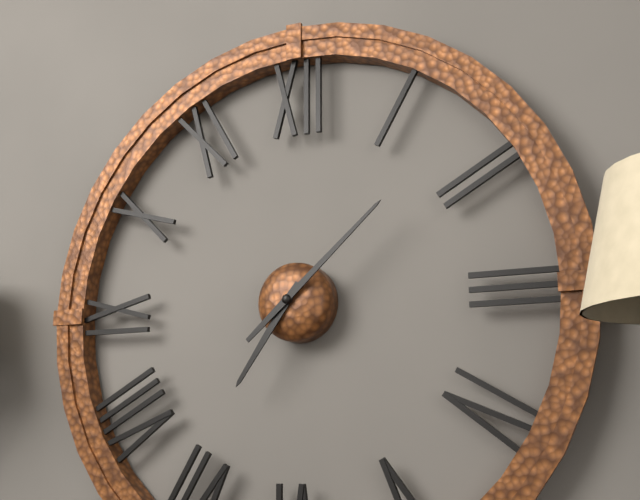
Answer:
{"hour": 7, "minute": 8}
